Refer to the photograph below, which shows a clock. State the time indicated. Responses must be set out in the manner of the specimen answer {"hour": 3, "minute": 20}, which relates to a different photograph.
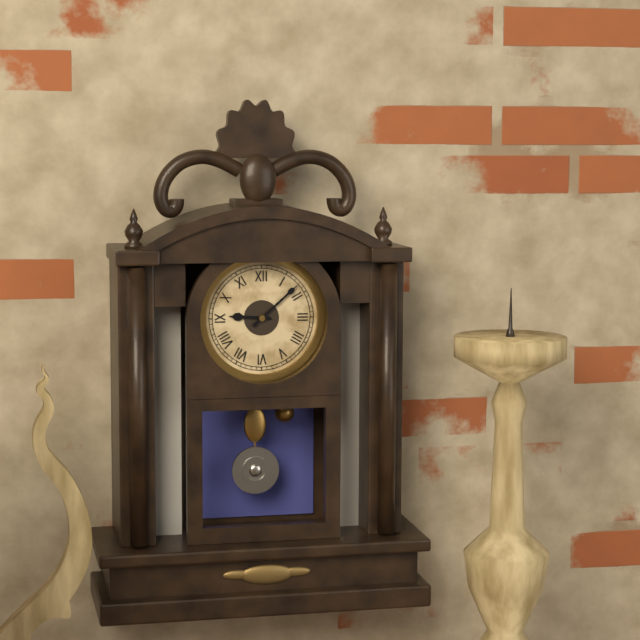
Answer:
{"hour": 9, "minute": 8}
